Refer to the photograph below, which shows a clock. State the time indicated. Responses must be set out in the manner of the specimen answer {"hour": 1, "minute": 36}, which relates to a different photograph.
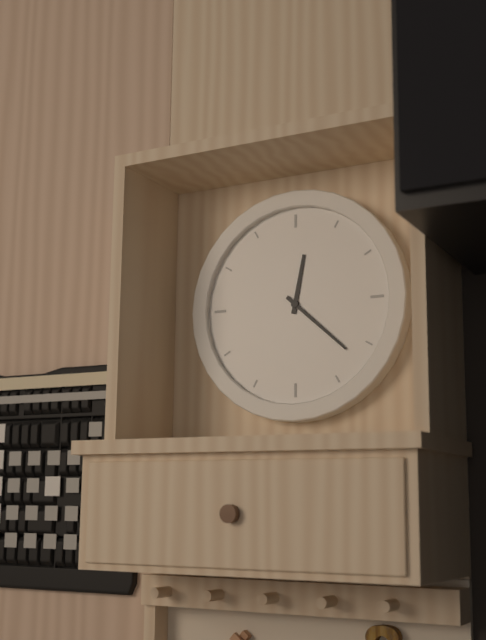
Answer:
{"hour": 12, "minute": 22}
